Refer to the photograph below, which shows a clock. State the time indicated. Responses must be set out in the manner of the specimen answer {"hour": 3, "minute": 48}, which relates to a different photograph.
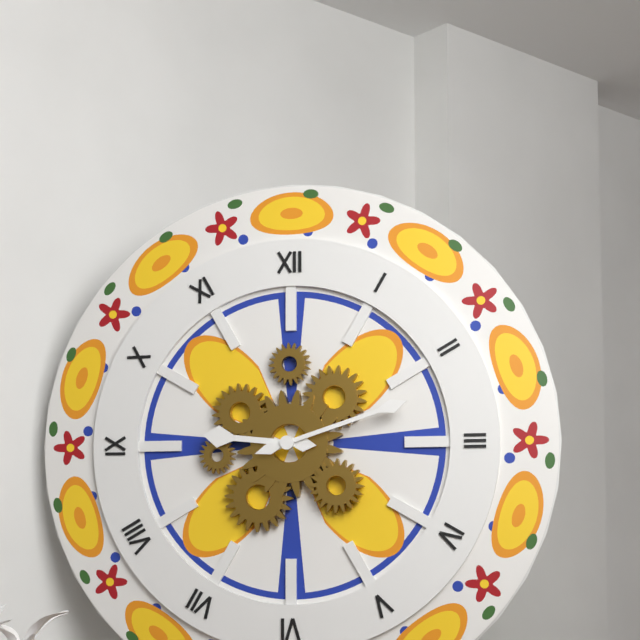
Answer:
{"hour": 9, "minute": 12}
